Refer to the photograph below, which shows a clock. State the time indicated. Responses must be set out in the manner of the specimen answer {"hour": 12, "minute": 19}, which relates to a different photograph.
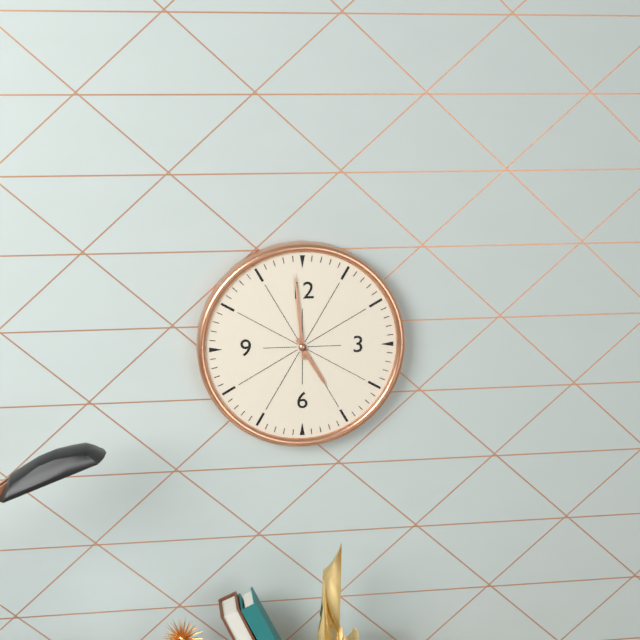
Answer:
{"hour": 4, "minute": 59}
